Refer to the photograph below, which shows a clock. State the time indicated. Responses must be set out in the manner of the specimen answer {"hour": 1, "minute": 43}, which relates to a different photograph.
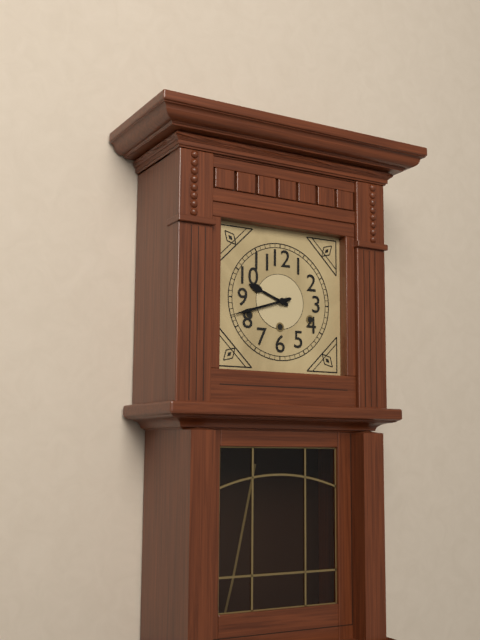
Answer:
{"hour": 9, "minute": 42}
